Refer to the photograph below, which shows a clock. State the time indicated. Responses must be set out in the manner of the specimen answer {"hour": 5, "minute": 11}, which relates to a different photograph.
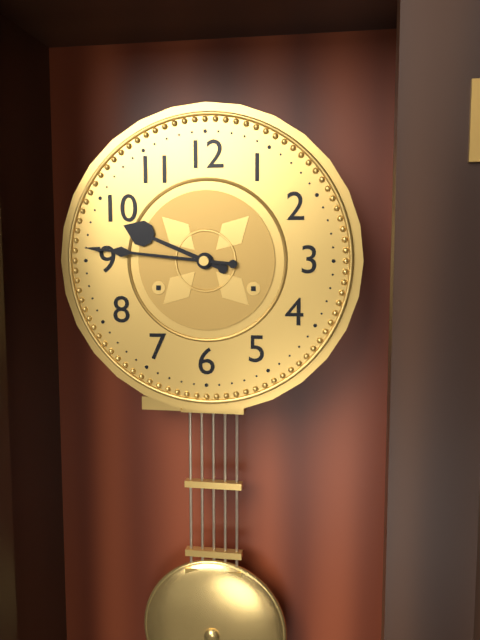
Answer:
{"hour": 9, "minute": 46}
